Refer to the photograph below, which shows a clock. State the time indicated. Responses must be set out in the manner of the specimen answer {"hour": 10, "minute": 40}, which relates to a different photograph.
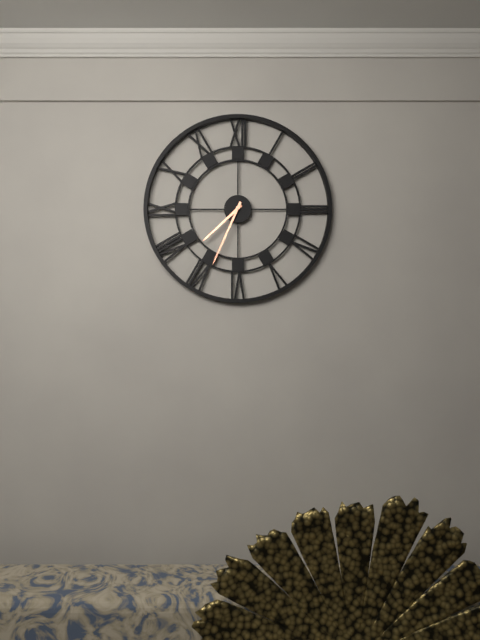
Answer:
{"hour": 7, "minute": 34}
